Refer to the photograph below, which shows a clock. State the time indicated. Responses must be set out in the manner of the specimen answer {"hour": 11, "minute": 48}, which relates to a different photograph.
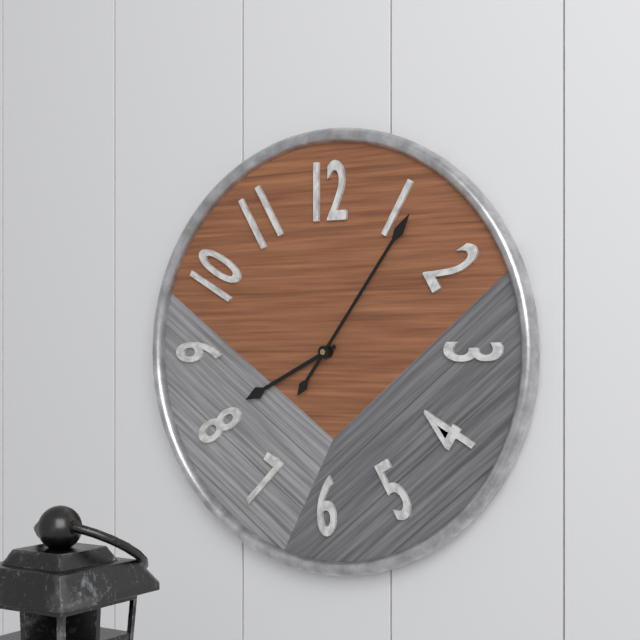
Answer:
{"hour": 8, "minute": 6}
